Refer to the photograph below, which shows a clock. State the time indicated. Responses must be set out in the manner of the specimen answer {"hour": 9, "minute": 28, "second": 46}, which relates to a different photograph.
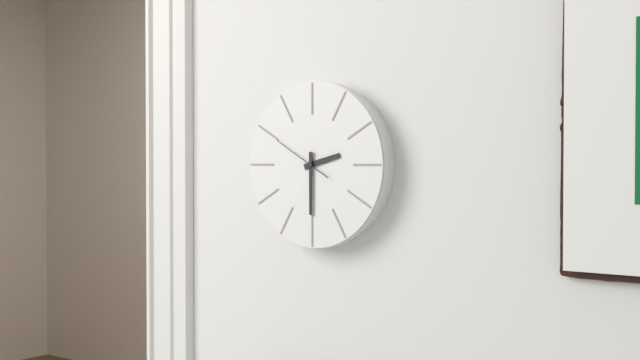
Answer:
{"hour": 2, "minute": 30, "second": 50}
